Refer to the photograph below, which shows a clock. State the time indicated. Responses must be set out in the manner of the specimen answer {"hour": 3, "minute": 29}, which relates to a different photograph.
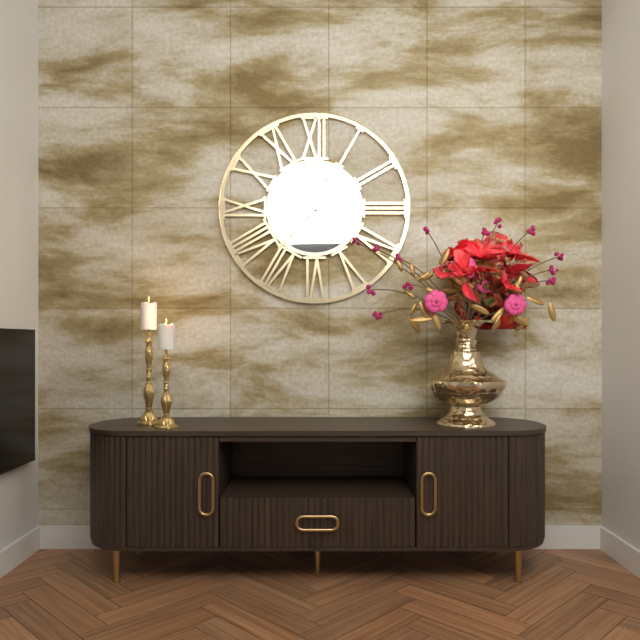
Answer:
{"hour": 12, "minute": 37}
